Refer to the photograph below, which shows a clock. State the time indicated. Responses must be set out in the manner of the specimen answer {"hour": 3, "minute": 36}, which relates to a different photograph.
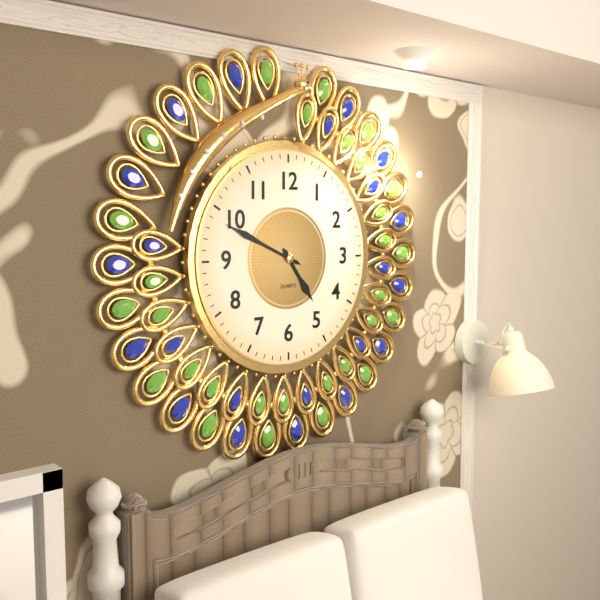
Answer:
{"hour": 4, "minute": 49}
